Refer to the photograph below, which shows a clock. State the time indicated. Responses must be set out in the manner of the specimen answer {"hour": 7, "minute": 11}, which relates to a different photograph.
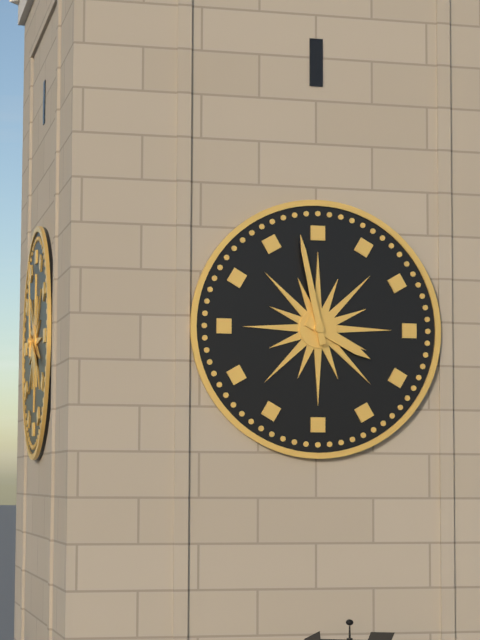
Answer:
{"hour": 3, "minute": 58}
